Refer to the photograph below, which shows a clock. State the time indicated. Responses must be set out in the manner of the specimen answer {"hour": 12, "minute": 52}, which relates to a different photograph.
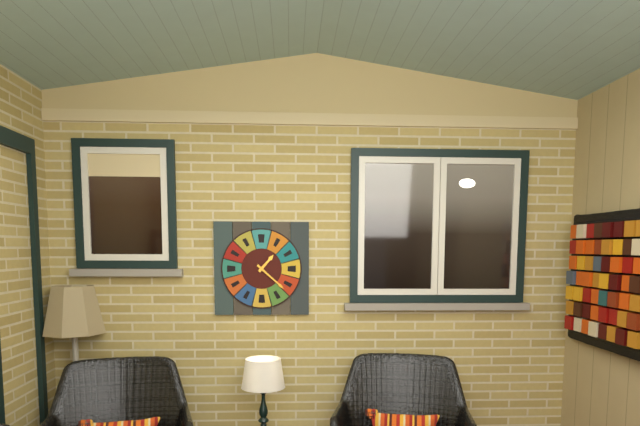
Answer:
{"hour": 1, "minute": 22}
